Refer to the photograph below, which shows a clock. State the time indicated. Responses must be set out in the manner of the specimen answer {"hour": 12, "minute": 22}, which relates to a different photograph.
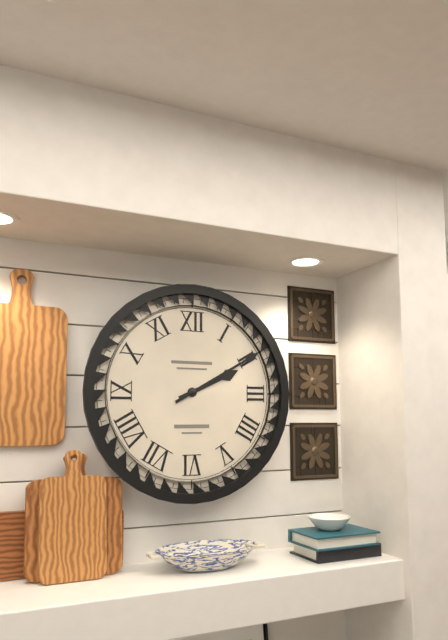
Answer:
{"hour": 2, "minute": 10}
